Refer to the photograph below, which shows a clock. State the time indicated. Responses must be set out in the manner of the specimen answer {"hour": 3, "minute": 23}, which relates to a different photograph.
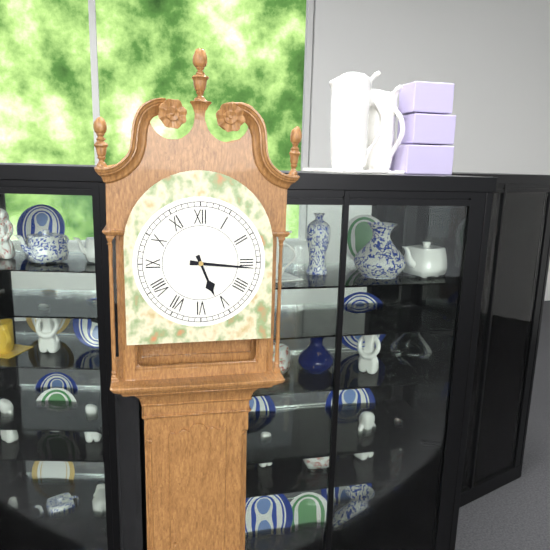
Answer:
{"hour": 5, "minute": 16}
